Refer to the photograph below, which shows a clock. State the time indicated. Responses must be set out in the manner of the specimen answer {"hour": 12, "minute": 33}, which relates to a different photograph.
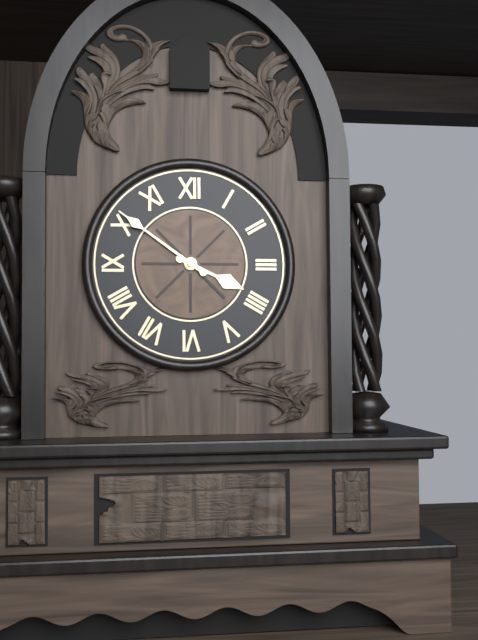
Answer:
{"hour": 3, "minute": 51}
